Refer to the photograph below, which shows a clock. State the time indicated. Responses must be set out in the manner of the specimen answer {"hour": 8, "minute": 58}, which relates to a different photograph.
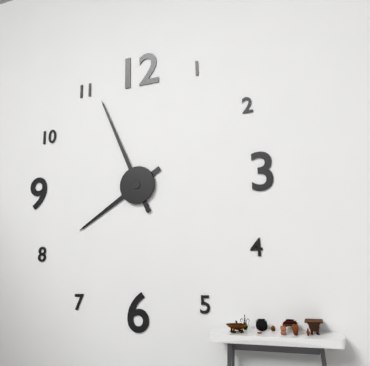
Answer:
{"hour": 7, "minute": 56}
